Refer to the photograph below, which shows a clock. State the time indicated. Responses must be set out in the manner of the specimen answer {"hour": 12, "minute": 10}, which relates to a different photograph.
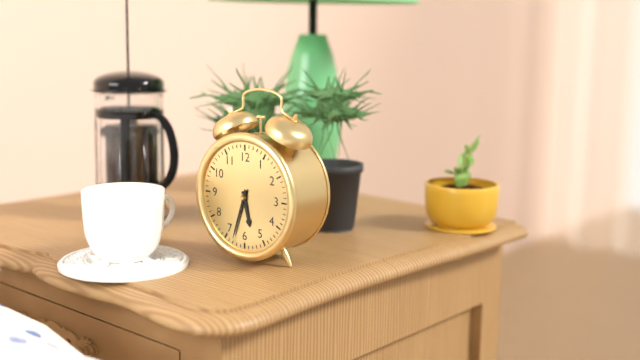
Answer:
{"hour": 5, "minute": 33}
